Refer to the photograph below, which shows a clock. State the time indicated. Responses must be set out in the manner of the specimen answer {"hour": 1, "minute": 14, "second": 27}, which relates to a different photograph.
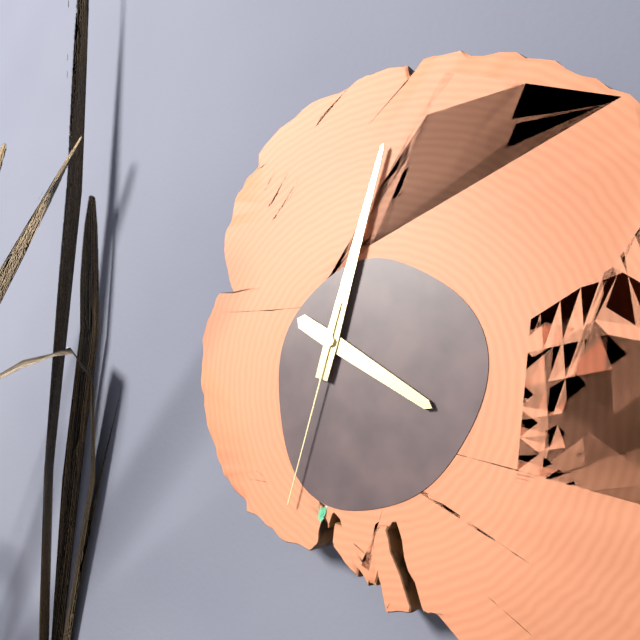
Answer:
{"hour": 4, "minute": 3, "second": 33}
